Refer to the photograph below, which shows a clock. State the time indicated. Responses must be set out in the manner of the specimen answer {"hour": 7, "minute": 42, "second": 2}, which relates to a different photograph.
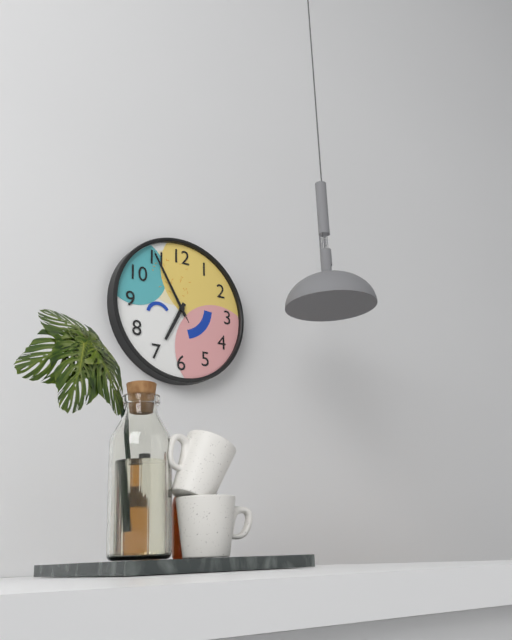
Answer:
{"hour": 6, "minute": 55, "second": 55}
